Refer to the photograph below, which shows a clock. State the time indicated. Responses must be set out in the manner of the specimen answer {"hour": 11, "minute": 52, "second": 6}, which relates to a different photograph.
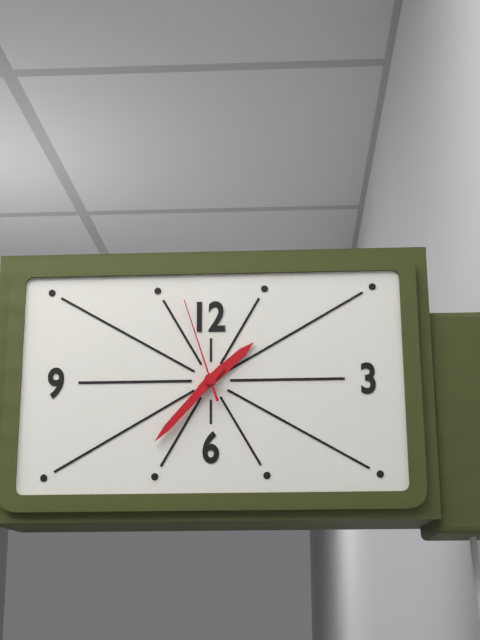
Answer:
{"hour": 1, "minute": 37, "second": 57}
